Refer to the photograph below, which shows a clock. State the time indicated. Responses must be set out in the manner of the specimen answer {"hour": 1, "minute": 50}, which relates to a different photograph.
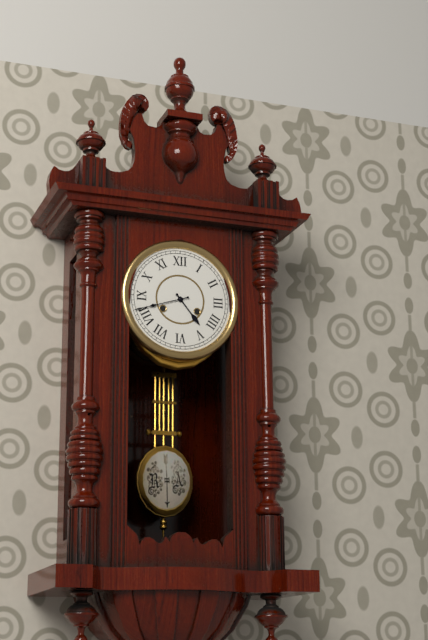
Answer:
{"hour": 4, "minute": 42}
